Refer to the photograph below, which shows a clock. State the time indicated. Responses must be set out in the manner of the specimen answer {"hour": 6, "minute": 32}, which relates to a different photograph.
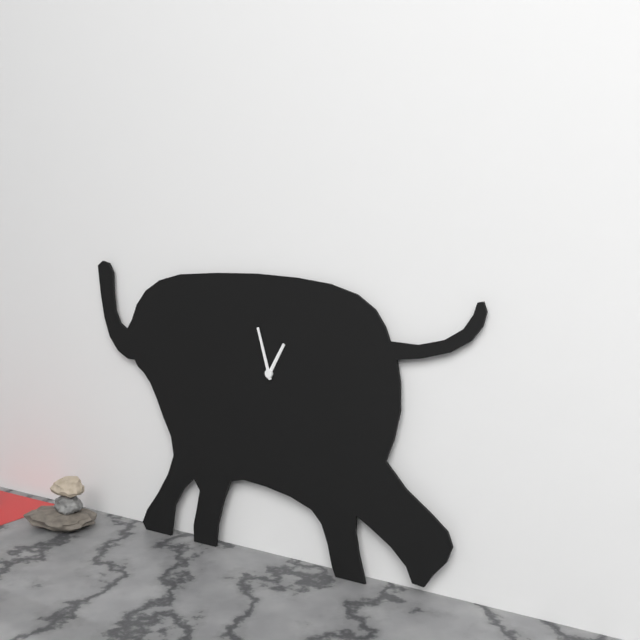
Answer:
{"hour": 12, "minute": 57}
